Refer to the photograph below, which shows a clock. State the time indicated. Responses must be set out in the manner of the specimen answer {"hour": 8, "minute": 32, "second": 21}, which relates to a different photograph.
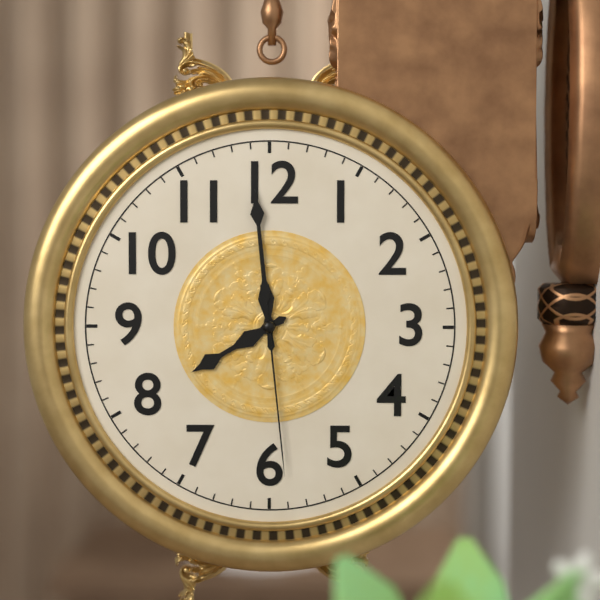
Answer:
{"hour": 7, "minute": 59, "second": 29}
